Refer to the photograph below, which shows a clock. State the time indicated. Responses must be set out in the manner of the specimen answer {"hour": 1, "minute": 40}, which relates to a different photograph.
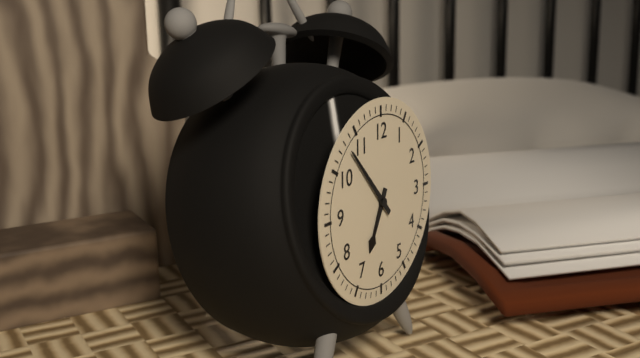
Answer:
{"hour": 6, "minute": 53}
